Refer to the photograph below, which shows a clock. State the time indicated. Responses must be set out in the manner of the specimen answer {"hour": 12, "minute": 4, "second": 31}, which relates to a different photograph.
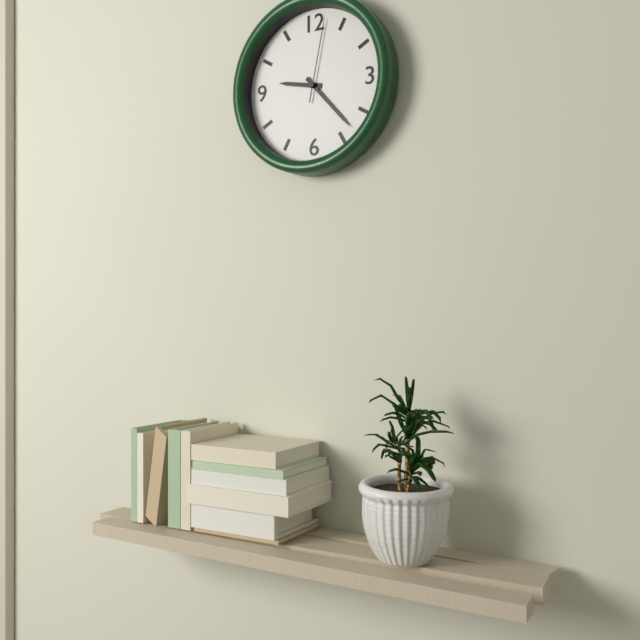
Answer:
{"hour": 9, "minute": 23, "second": 2}
